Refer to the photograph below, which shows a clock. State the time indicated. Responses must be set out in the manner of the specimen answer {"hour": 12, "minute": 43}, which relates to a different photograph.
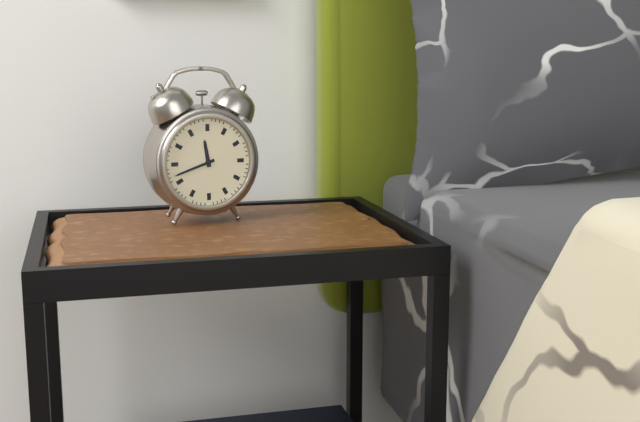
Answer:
{"hour": 11, "minute": 42}
